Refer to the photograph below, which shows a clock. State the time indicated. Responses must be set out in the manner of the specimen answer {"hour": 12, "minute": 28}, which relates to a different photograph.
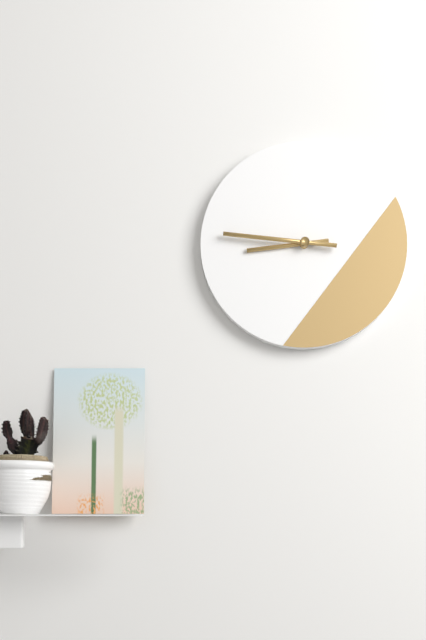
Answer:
{"hour": 8, "minute": 46}
